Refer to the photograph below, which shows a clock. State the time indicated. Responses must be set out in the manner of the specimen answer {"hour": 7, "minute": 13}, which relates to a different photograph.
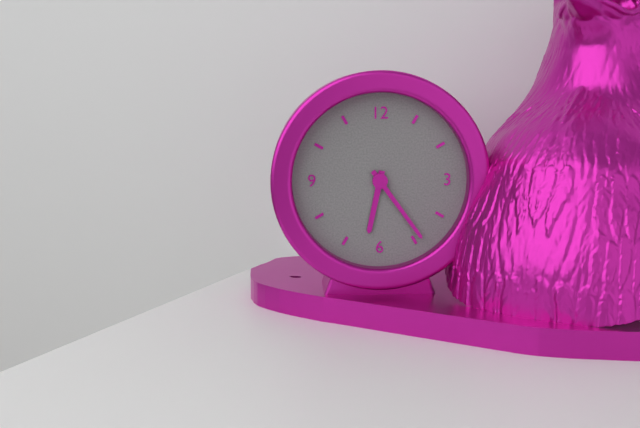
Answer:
{"hour": 6, "minute": 24}
